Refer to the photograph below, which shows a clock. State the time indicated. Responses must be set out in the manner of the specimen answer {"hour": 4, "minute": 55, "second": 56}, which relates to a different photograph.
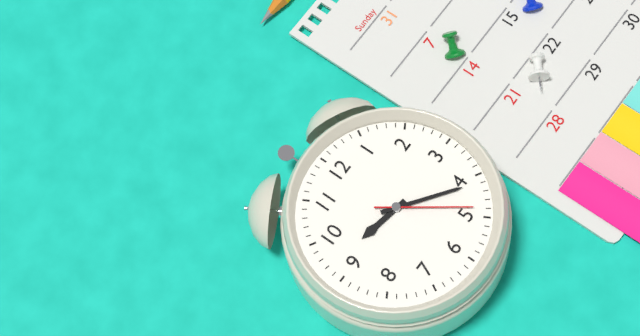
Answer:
{"hour": 9, "minute": 21, "second": 24}
